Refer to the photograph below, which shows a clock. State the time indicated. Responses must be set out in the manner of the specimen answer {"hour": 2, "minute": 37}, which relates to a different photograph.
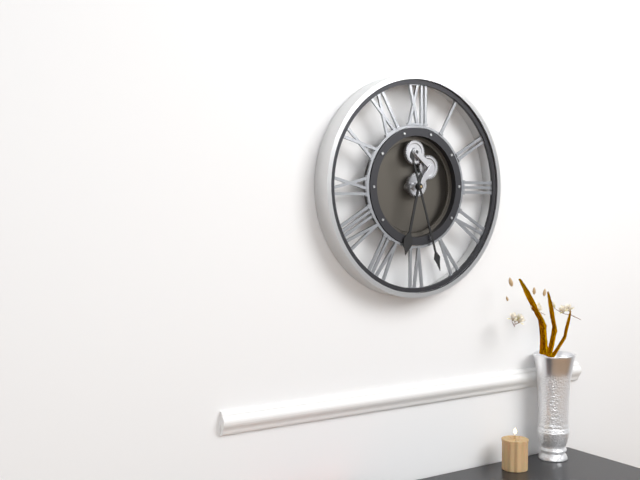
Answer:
{"hour": 6, "minute": 27}
